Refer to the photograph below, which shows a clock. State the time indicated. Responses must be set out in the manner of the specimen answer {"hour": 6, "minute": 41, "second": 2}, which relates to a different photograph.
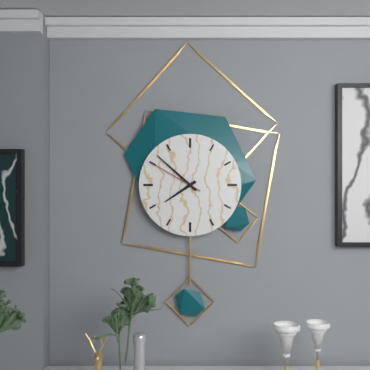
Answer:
{"hour": 7, "minute": 52, "second": 50}
